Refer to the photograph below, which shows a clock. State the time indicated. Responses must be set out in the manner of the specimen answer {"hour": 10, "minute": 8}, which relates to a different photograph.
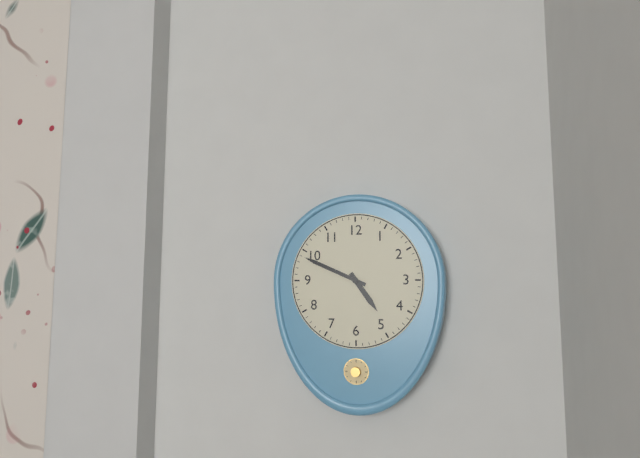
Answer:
{"hour": 4, "minute": 49}
